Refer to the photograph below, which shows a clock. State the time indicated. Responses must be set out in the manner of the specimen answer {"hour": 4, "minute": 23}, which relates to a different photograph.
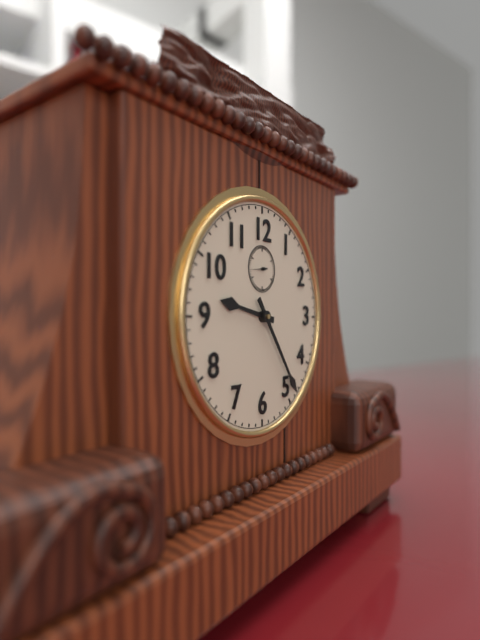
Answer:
{"hour": 9, "minute": 24}
